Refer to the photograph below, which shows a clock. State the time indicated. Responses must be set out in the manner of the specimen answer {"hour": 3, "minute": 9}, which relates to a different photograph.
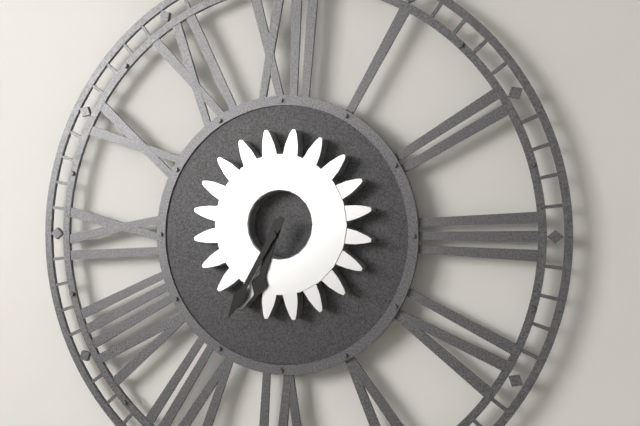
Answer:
{"hour": 6, "minute": 35}
